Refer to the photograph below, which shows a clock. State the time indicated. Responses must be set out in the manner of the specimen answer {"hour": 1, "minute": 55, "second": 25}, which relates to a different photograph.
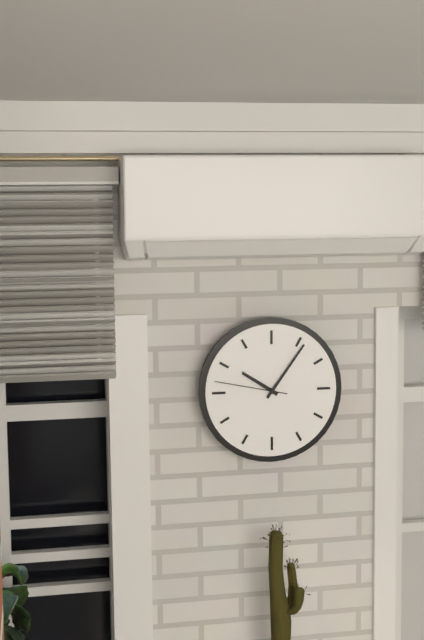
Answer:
{"hour": 10, "minute": 6, "second": 47}
